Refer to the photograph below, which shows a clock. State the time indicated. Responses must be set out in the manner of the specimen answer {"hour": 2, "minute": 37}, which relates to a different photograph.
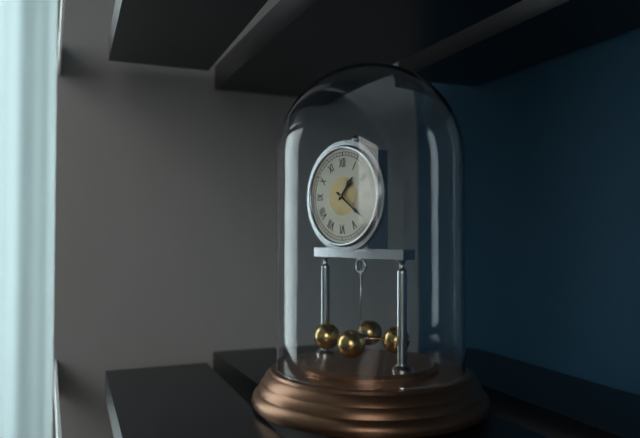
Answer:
{"hour": 1, "minute": 21}
